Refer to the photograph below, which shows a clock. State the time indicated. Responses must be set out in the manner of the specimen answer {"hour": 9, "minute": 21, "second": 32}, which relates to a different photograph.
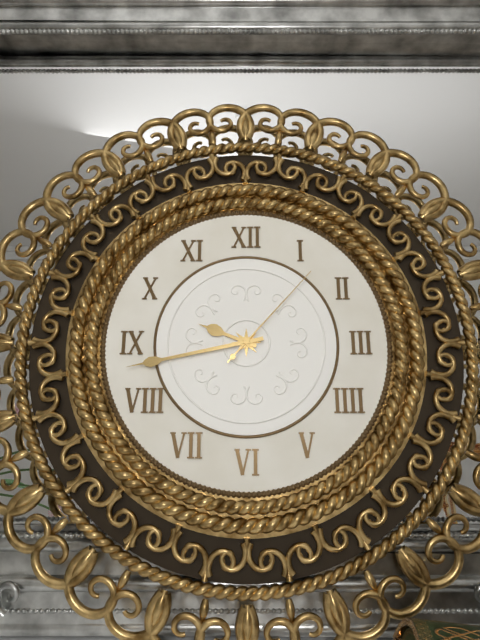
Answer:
{"hour": 9, "minute": 43, "second": 7}
